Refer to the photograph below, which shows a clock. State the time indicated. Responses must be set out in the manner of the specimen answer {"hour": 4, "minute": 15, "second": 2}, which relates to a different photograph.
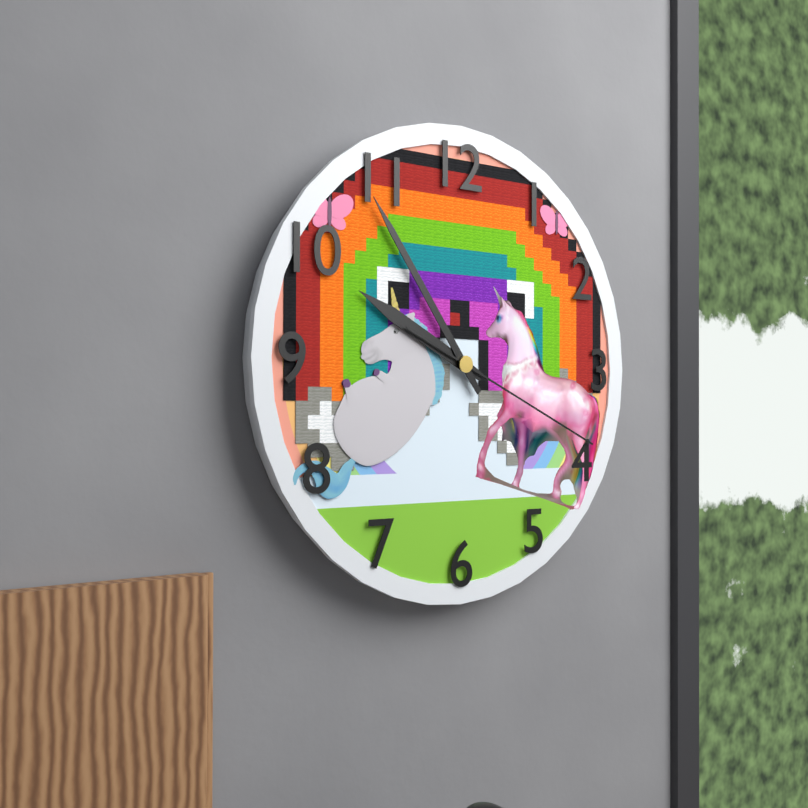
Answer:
{"hour": 9, "minute": 54, "second": 19}
